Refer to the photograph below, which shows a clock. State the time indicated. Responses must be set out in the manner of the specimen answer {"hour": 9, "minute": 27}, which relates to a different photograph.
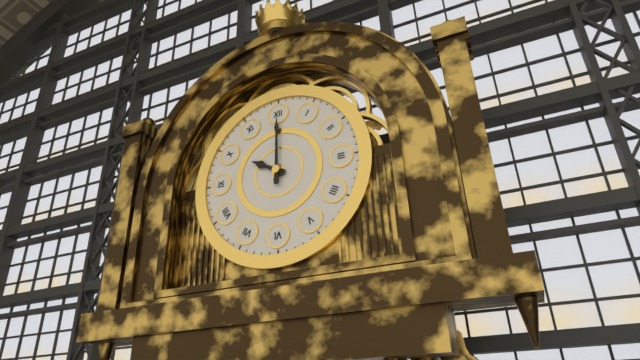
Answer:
{"hour": 10, "minute": 0}
